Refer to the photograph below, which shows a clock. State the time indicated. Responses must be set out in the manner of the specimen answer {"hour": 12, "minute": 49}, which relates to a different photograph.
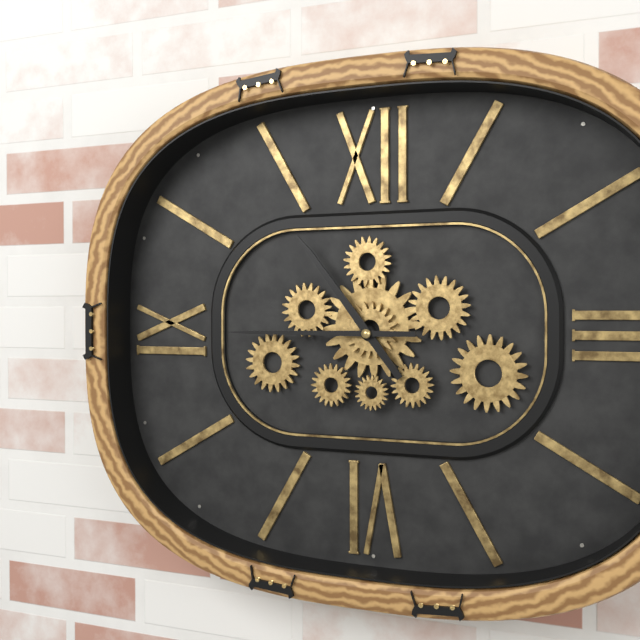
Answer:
{"hour": 10, "minute": 45}
